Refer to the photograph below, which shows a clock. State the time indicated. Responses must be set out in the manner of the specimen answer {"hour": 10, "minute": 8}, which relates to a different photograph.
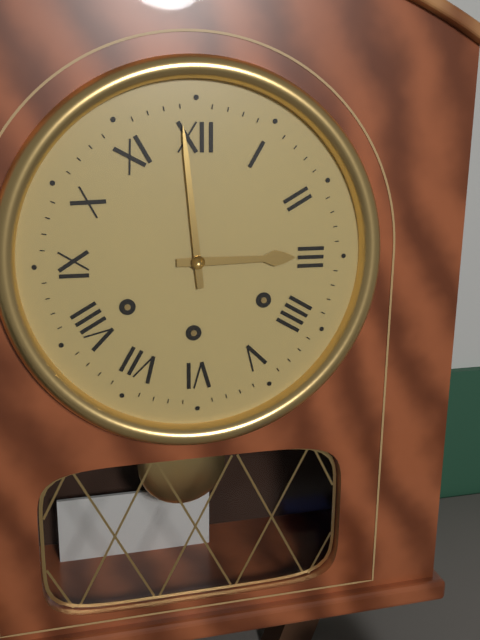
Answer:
{"hour": 2, "minute": 59}
